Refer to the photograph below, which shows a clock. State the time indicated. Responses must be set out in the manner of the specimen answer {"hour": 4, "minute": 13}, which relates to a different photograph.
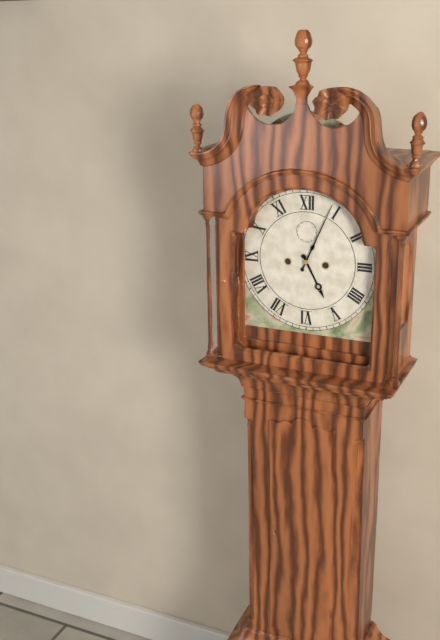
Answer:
{"hour": 5, "minute": 4}
